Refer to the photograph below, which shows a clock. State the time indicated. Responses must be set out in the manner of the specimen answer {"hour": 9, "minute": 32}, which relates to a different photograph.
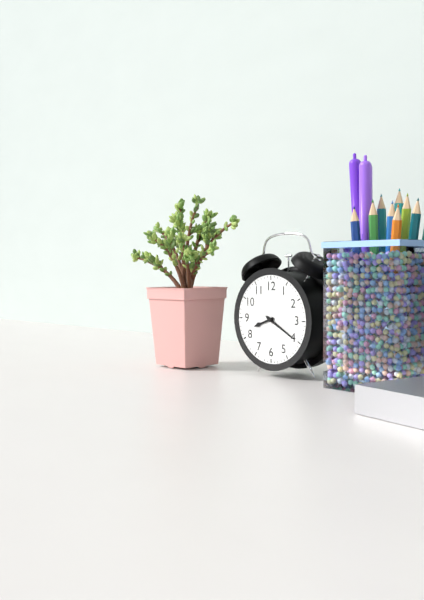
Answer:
{"hour": 8, "minute": 20}
